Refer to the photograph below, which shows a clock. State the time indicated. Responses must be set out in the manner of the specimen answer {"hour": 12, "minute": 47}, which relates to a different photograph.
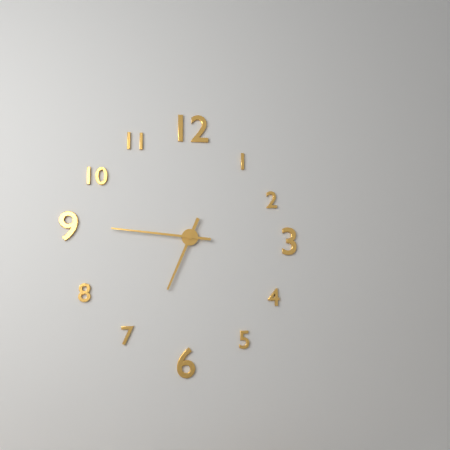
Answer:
{"hour": 6, "minute": 46}
